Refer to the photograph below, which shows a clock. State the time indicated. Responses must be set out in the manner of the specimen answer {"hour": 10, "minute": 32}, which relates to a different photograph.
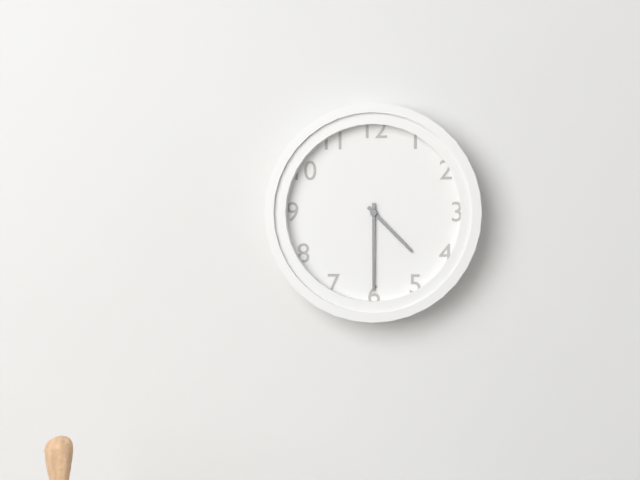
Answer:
{"hour": 4, "minute": 30}
